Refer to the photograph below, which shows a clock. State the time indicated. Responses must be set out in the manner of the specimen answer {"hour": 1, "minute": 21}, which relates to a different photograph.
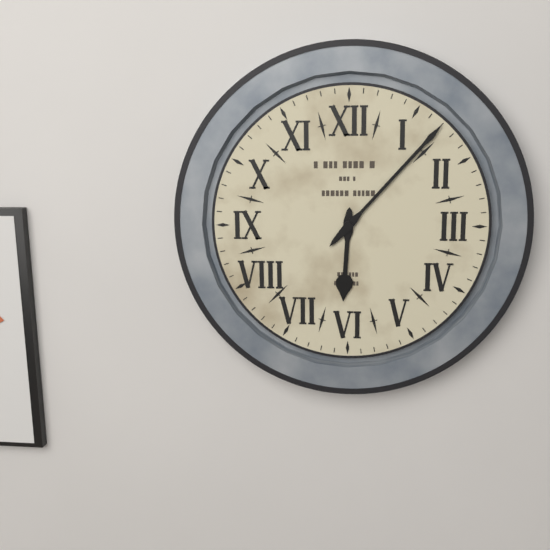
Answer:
{"hour": 6, "minute": 7}
